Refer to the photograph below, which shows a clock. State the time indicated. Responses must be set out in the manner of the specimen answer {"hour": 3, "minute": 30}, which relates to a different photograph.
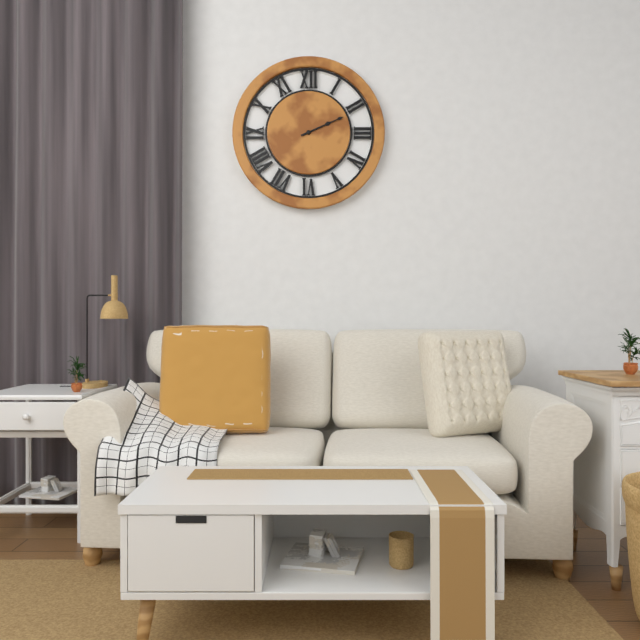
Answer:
{"hour": 2, "minute": 11}
